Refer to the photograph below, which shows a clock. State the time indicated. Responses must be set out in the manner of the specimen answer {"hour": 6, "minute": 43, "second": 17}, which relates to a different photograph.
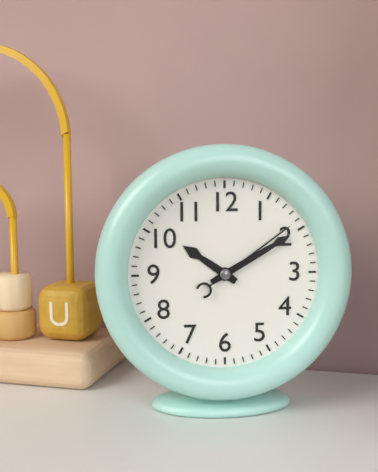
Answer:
{"hour": 10, "minute": 10, "second": 9}
